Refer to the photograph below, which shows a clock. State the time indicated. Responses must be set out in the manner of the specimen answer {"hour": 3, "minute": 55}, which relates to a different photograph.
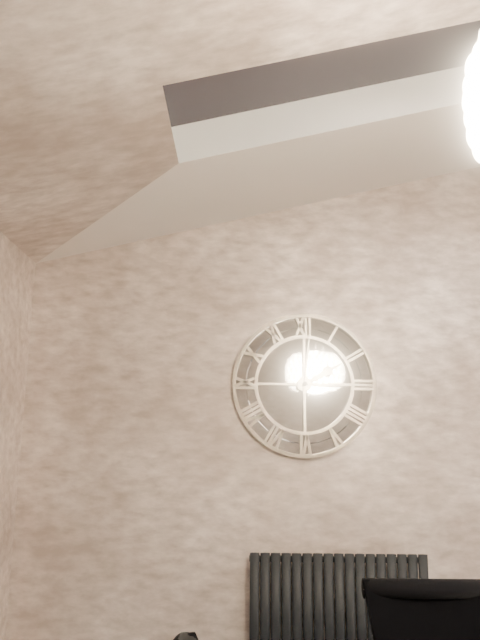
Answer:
{"hour": 2, "minute": 1}
